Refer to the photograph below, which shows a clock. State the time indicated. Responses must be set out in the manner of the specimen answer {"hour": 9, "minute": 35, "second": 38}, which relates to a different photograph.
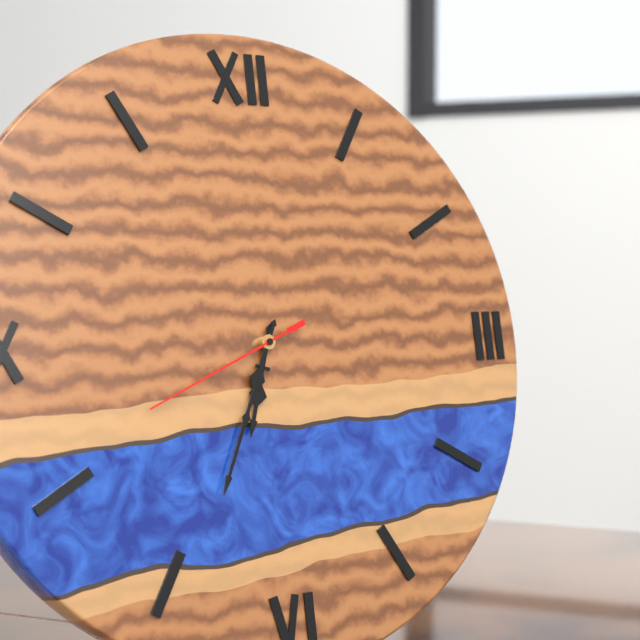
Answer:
{"hour": 6, "minute": 34, "second": 41}
